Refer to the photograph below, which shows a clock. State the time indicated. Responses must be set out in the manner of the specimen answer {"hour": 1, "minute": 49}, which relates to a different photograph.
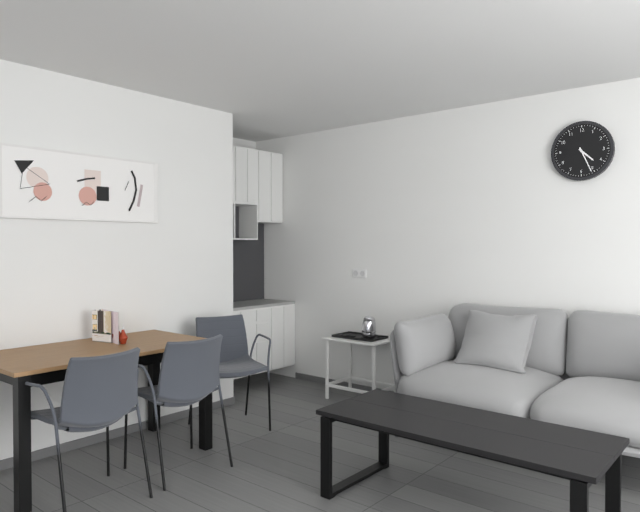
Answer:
{"hour": 4, "minute": 26}
